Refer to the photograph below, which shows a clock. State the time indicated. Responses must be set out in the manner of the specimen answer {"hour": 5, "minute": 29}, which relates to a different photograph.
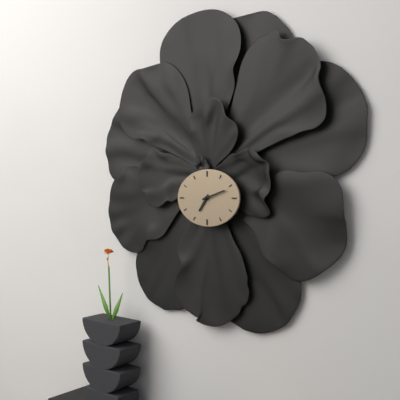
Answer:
{"hour": 7, "minute": 12}
